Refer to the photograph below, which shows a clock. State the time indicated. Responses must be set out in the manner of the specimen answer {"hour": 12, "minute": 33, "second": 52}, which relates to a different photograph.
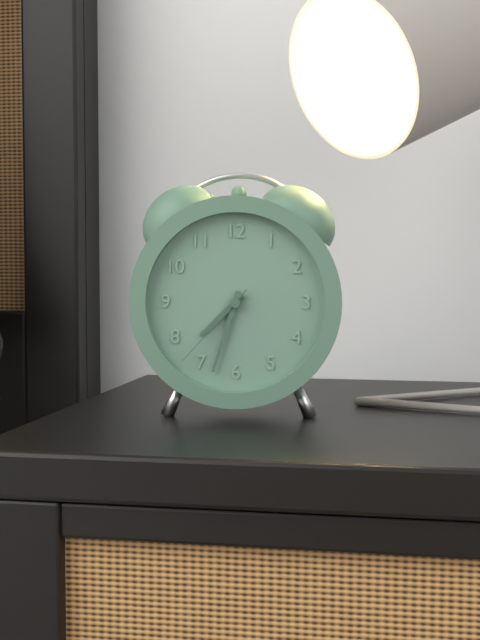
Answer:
{"hour": 7, "minute": 33, "second": 37}
